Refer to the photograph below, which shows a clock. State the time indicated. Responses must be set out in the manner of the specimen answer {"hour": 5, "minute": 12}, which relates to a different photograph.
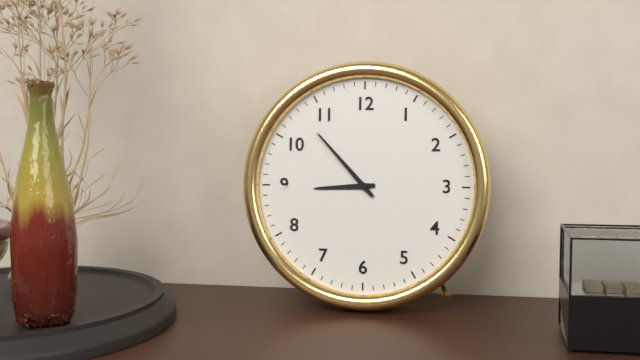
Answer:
{"hour": 8, "minute": 53}
